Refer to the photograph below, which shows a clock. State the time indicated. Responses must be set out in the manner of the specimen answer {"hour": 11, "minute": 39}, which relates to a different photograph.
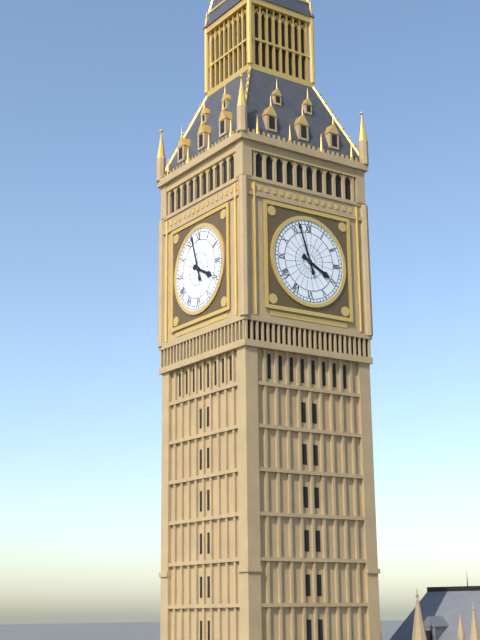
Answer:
{"hour": 3, "minute": 57}
